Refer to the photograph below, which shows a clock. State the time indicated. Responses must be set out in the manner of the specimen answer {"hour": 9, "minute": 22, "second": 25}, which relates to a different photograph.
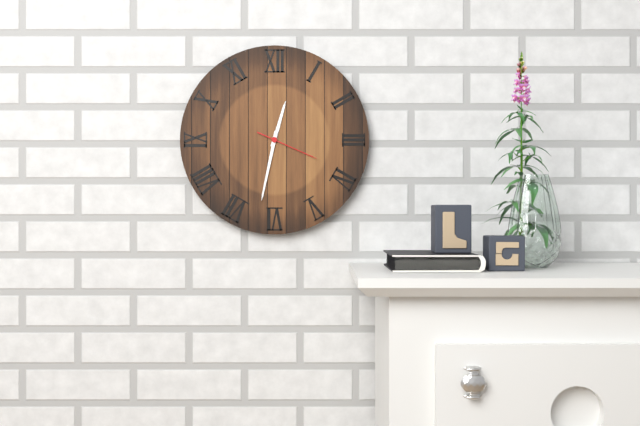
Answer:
{"hour": 12, "minute": 32, "second": 19}
